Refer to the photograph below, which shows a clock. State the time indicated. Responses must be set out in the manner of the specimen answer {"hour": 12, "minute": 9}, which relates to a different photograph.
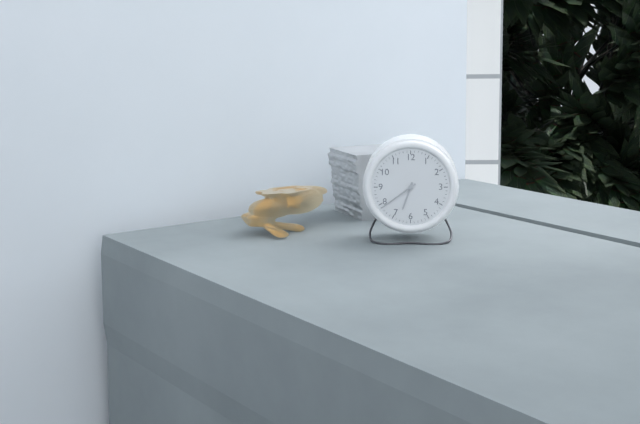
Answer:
{"hour": 6, "minute": 39}
